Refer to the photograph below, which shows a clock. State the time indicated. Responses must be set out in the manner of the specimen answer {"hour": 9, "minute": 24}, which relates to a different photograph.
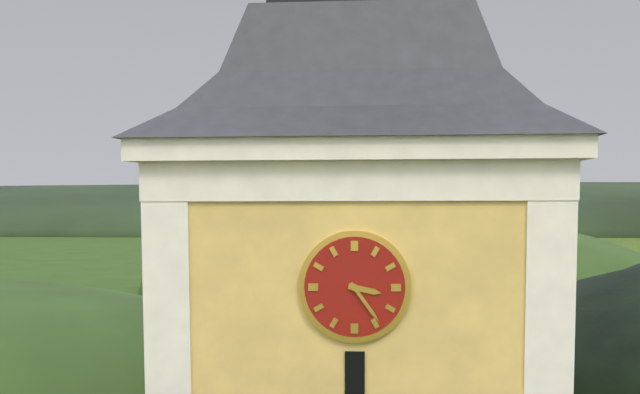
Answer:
{"hour": 3, "minute": 24}
